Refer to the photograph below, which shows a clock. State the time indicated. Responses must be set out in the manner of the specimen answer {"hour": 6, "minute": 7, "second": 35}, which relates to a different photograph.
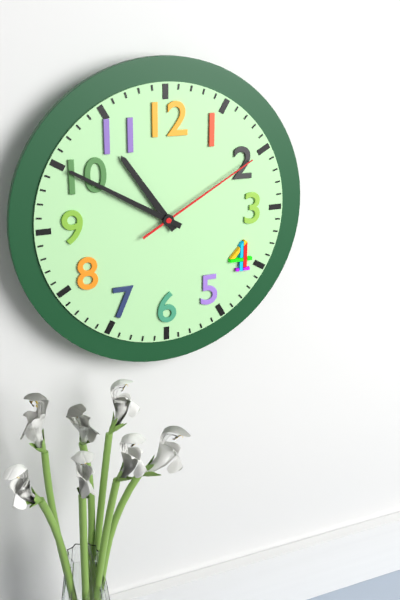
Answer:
{"hour": 10, "minute": 50, "second": 10}
